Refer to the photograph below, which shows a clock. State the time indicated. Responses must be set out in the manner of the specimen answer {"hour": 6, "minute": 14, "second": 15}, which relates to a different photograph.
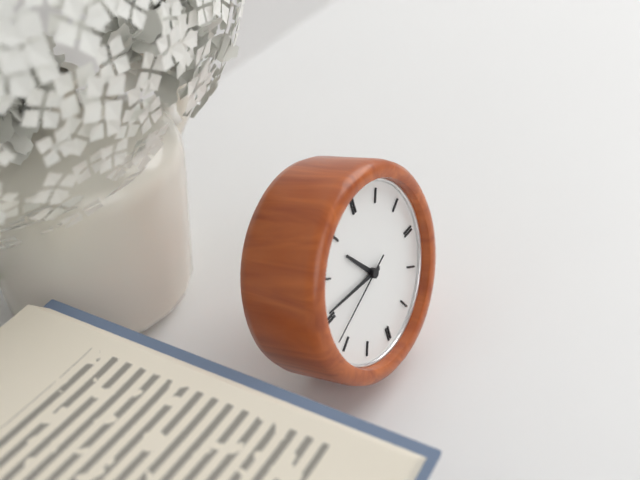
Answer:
{"hour": 10, "minute": 46, "second": 42}
